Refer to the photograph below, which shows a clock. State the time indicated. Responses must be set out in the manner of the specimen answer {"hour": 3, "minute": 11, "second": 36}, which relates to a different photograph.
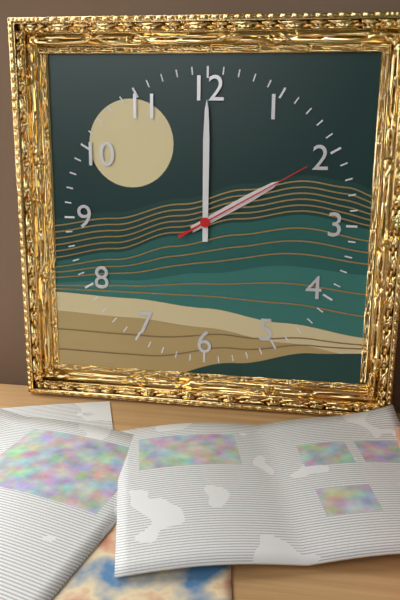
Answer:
{"hour": 2, "minute": 0, "second": 10}
